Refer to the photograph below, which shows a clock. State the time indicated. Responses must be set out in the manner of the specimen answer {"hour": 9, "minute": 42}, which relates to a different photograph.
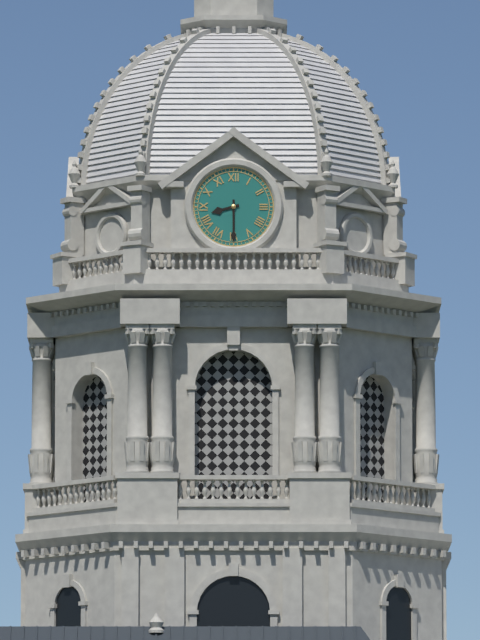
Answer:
{"hour": 8, "minute": 30}
